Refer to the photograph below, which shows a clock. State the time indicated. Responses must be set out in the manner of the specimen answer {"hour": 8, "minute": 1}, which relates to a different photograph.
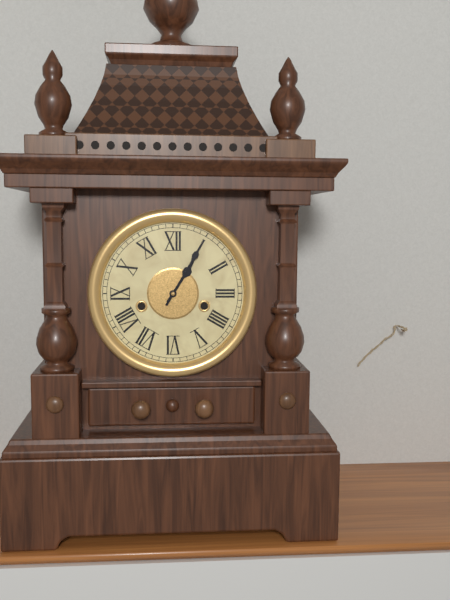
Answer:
{"hour": 1, "minute": 5}
